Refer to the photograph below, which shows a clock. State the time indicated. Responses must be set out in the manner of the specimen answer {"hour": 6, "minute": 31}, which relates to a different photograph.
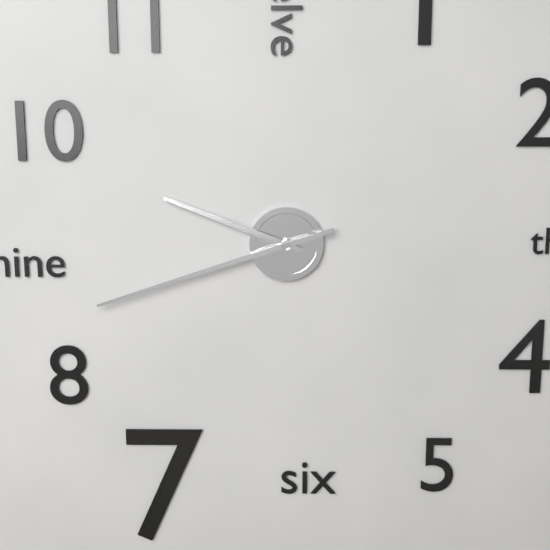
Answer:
{"hour": 9, "minute": 42}
